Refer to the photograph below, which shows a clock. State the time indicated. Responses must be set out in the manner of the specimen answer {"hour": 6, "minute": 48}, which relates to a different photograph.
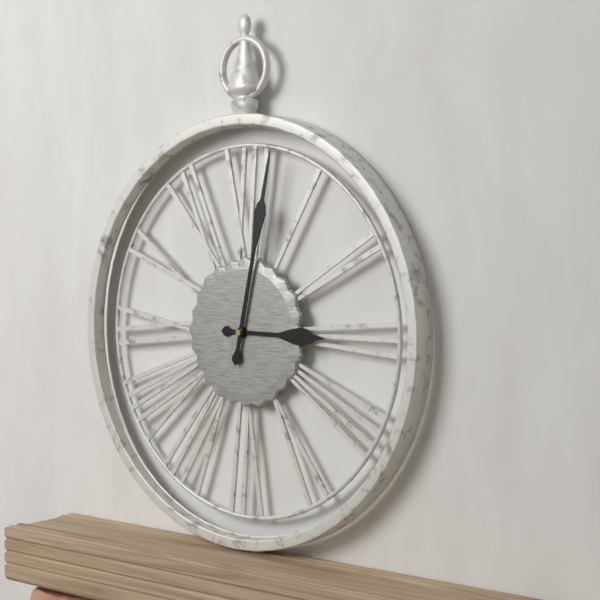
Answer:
{"hour": 3, "minute": 2}
